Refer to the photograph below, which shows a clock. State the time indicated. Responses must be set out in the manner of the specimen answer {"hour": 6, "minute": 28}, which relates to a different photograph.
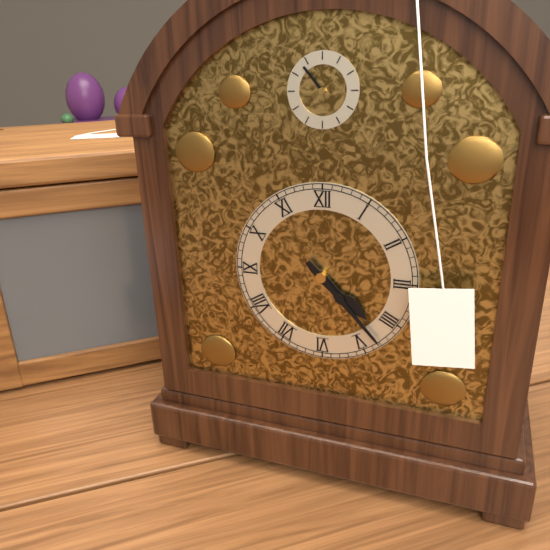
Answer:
{"hour": 4, "minute": 23}
